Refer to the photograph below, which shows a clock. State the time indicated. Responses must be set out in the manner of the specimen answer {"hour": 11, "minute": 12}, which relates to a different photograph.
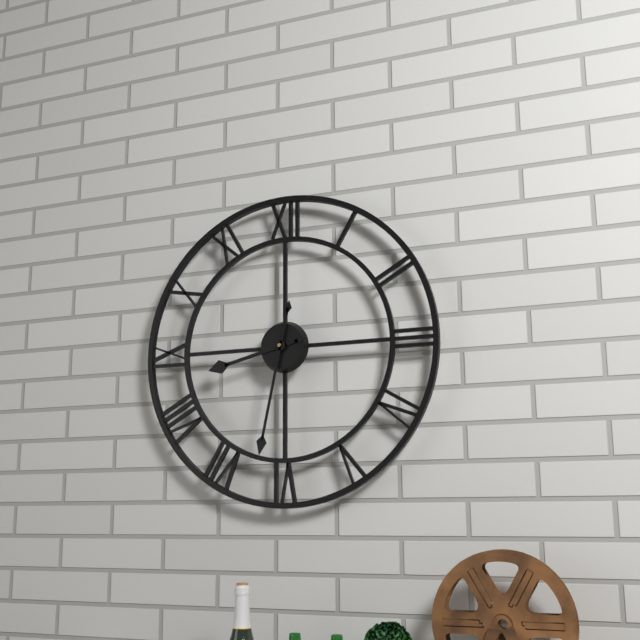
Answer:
{"hour": 8, "minute": 32}
